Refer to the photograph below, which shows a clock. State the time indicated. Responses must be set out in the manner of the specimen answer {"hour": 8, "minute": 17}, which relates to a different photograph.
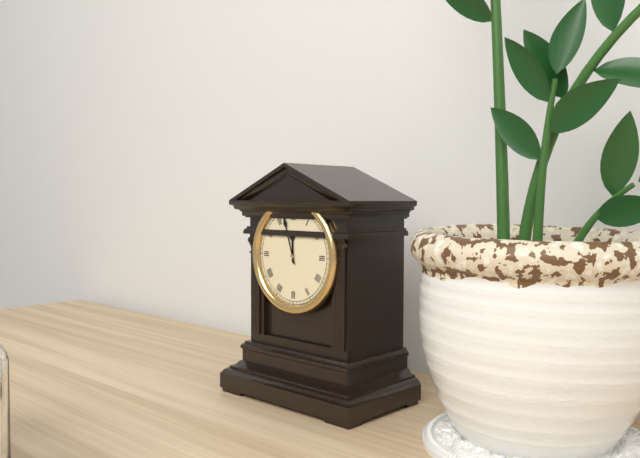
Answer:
{"hour": 11, "minute": 57}
